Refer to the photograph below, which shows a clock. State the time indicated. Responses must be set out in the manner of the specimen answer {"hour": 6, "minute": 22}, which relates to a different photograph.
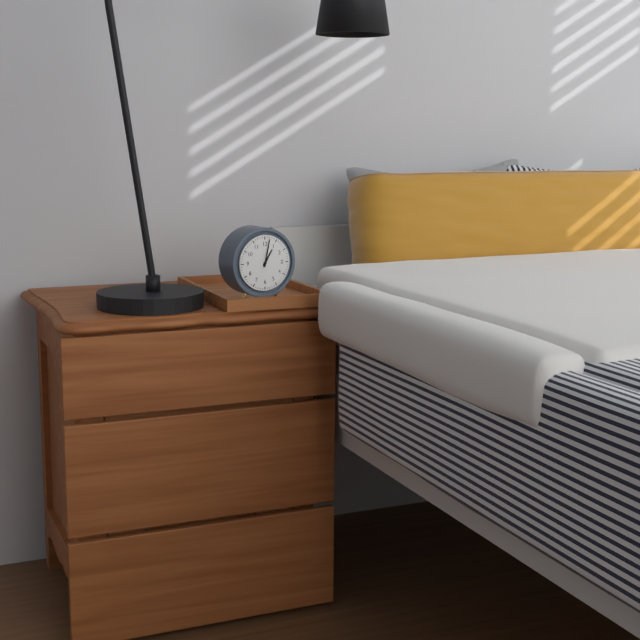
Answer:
{"hour": 1, "minute": 2}
